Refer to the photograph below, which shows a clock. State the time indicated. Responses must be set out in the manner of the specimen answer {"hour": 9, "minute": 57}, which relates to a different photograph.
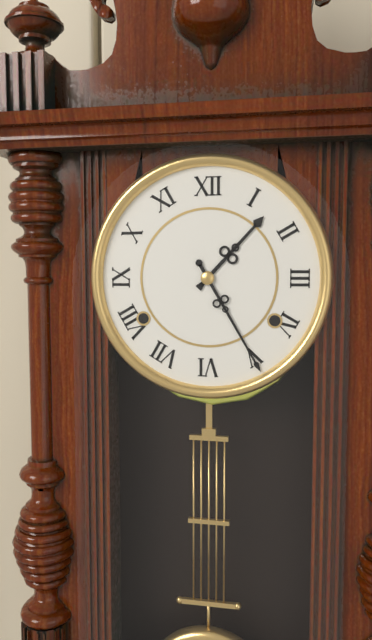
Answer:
{"hour": 1, "minute": 25}
